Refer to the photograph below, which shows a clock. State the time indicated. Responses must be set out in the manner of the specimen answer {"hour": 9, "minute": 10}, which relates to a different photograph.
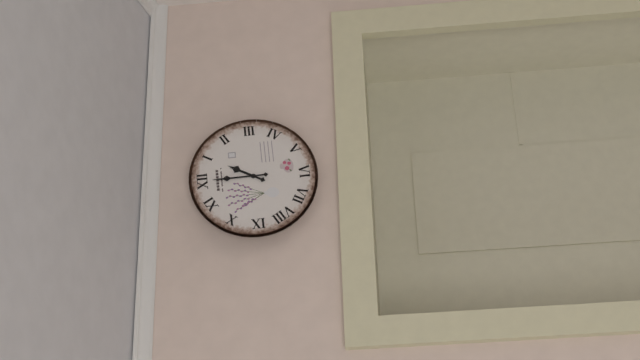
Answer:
{"hour": 1, "minute": 0}
